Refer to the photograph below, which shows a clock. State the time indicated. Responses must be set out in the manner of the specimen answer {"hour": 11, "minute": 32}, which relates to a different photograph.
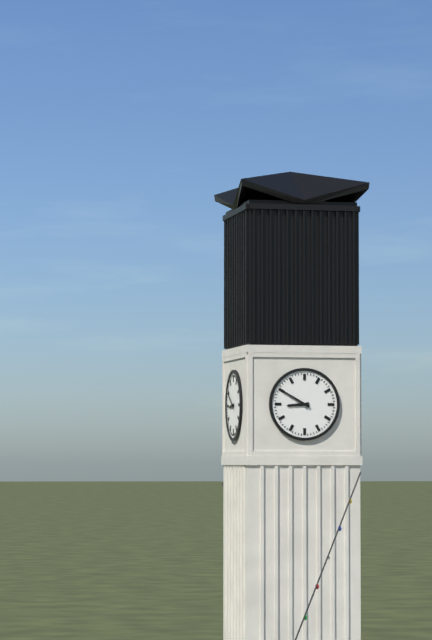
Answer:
{"hour": 8, "minute": 50}
